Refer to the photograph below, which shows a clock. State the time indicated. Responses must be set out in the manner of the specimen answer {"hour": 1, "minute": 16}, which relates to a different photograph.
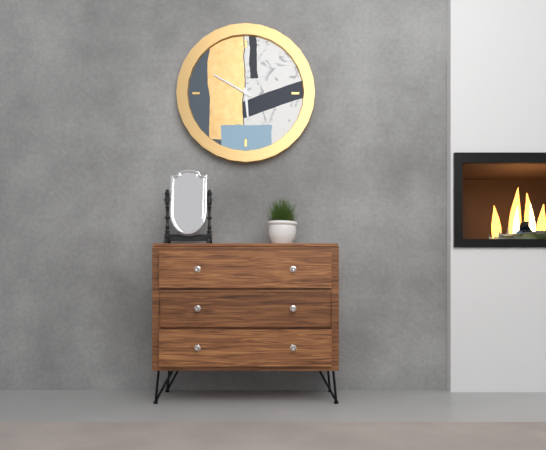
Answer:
{"hour": 5, "minute": 50}
